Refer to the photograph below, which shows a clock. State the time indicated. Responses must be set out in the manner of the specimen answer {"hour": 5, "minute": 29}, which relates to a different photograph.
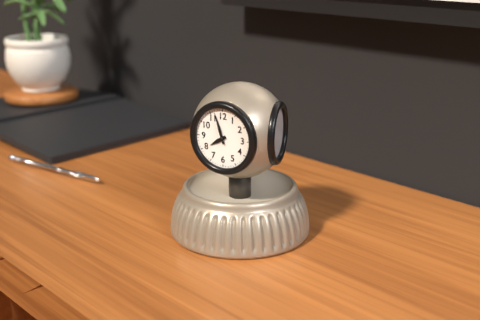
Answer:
{"hour": 7, "minute": 57}
